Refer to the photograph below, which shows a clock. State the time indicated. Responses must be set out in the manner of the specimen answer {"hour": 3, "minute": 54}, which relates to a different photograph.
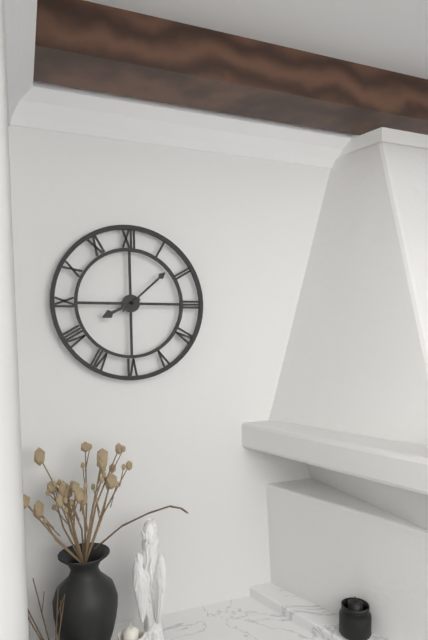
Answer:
{"hour": 8, "minute": 8}
